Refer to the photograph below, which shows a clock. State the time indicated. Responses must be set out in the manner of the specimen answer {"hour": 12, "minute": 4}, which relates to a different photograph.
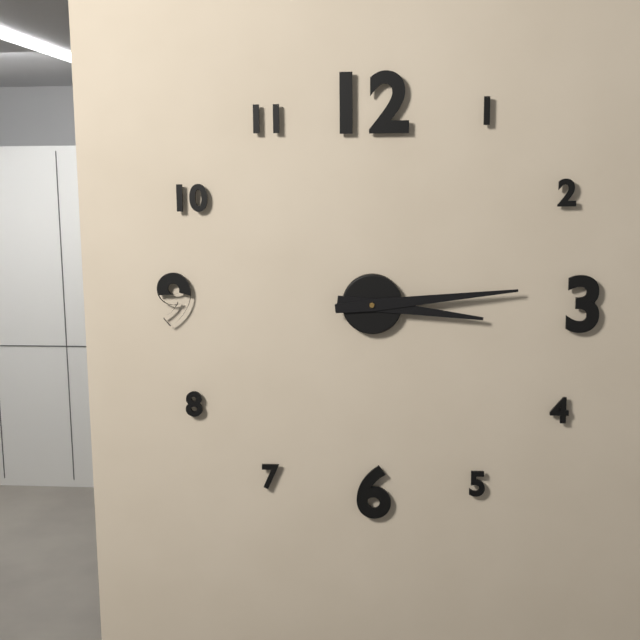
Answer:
{"hour": 3, "minute": 14}
